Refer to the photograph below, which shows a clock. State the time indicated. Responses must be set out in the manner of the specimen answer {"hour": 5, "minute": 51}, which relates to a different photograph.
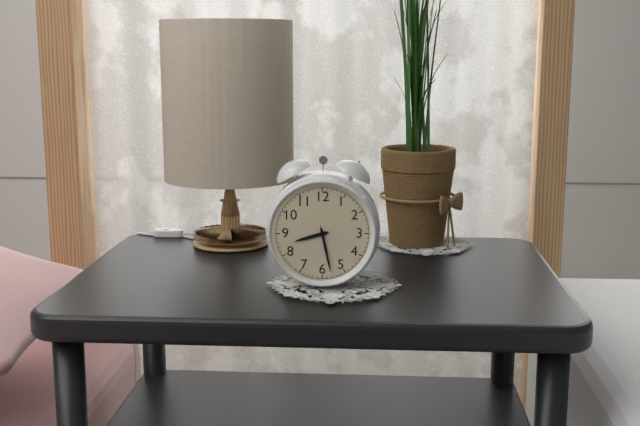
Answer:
{"hour": 8, "minute": 28}
